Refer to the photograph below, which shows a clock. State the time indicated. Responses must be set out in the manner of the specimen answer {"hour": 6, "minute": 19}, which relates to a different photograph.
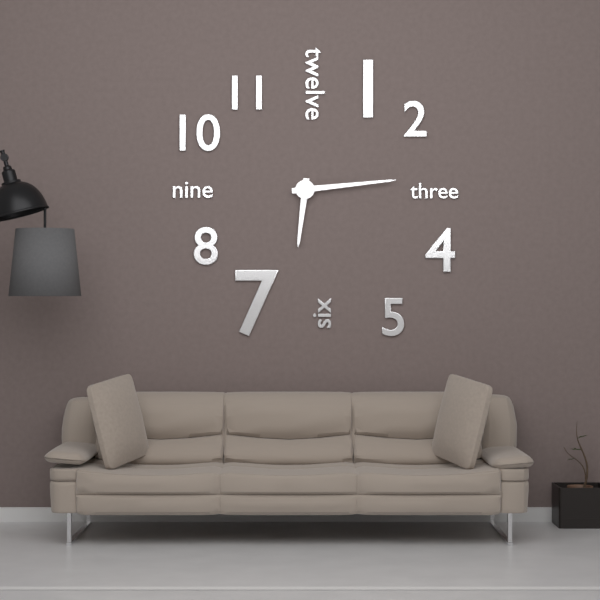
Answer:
{"hour": 6, "minute": 14}
